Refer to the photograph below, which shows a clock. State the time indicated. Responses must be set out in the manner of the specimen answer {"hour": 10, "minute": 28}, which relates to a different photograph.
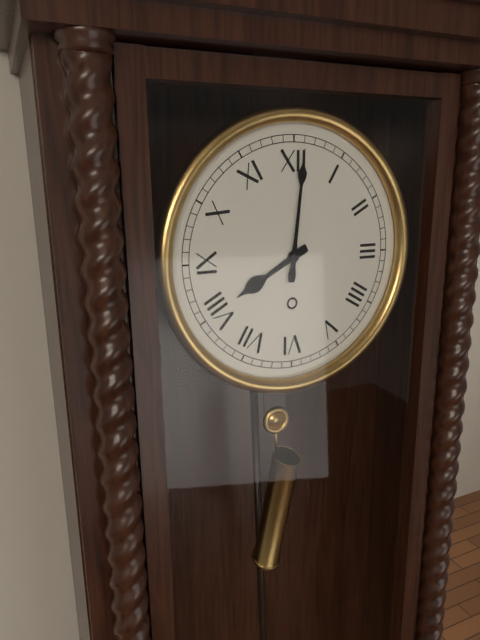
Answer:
{"hour": 8, "minute": 1}
